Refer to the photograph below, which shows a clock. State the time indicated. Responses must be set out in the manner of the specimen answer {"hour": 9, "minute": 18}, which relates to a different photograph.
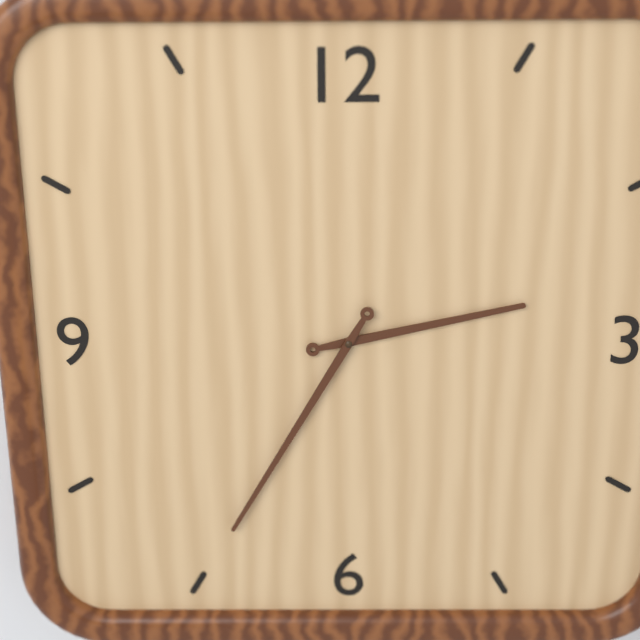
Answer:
{"hour": 2, "minute": 35}
